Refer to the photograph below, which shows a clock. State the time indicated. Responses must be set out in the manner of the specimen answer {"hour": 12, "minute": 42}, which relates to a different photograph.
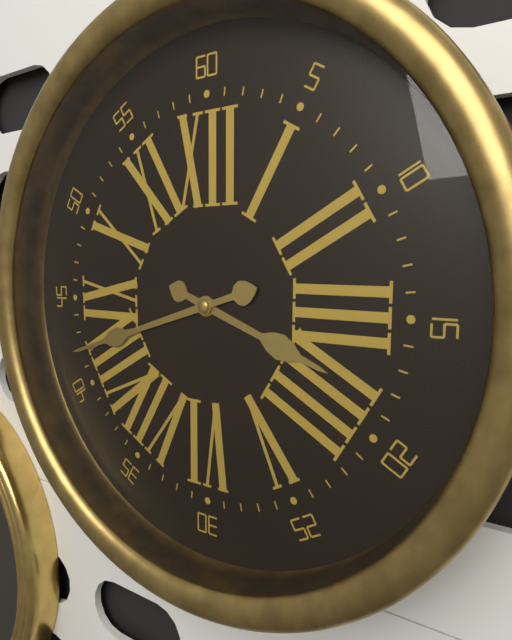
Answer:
{"hour": 3, "minute": 42}
